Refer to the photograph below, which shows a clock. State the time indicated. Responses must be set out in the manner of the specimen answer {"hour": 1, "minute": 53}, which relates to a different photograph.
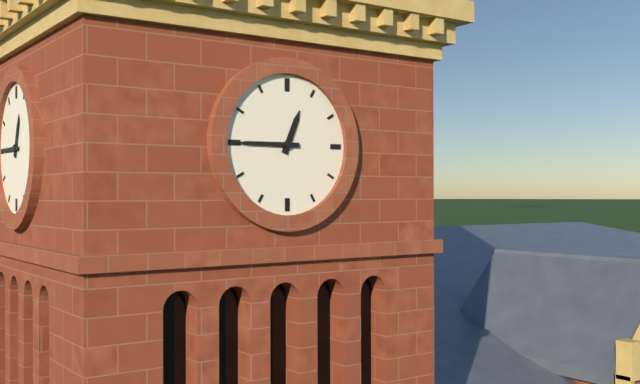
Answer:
{"hour": 12, "minute": 45}
